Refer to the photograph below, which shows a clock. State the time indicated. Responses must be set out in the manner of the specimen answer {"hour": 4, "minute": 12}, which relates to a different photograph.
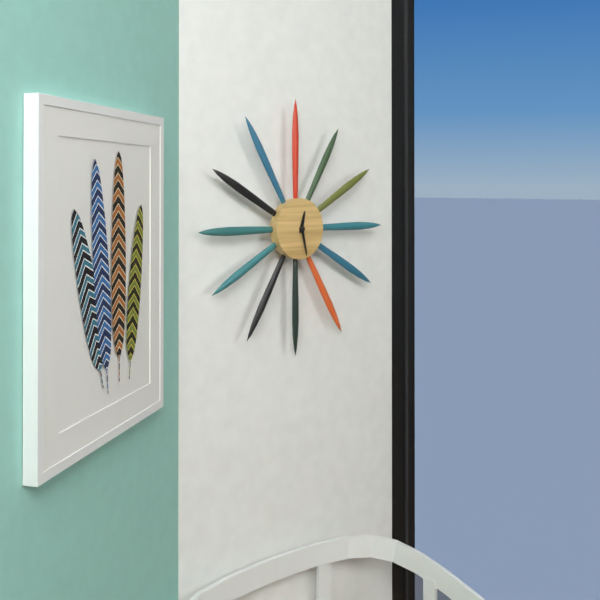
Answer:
{"hour": 12, "minute": 28}
